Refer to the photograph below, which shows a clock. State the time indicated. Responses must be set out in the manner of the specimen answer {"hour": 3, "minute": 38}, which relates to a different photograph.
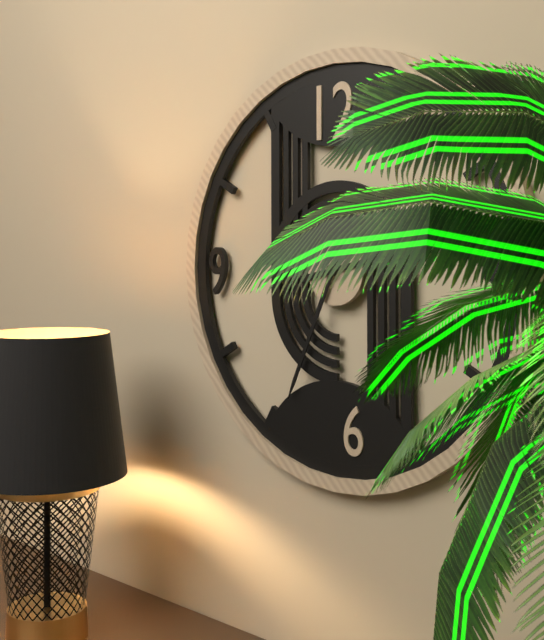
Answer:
{"hour": 2, "minute": 34}
